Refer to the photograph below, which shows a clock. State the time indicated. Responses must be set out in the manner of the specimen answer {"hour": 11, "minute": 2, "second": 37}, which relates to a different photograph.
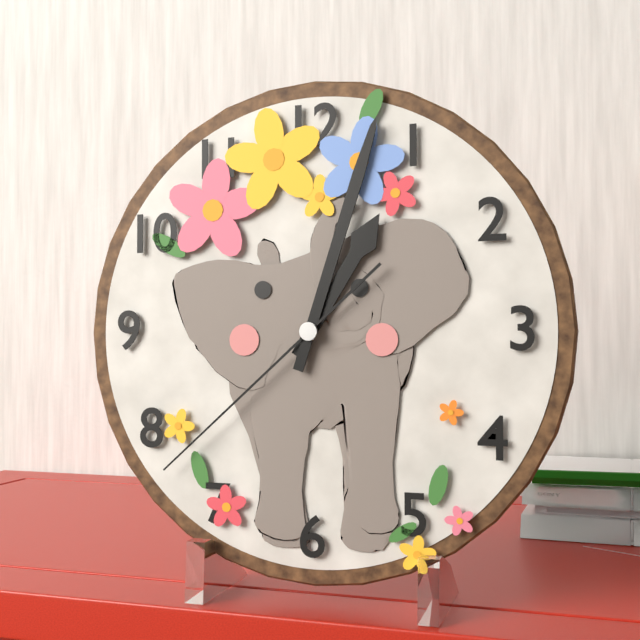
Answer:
{"hour": 1, "minute": 3, "second": 38}
